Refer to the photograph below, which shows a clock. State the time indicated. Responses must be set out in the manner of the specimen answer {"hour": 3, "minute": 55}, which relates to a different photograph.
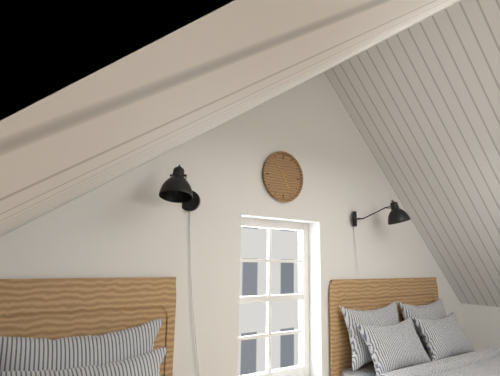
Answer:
{"hour": 4, "minute": 54}
